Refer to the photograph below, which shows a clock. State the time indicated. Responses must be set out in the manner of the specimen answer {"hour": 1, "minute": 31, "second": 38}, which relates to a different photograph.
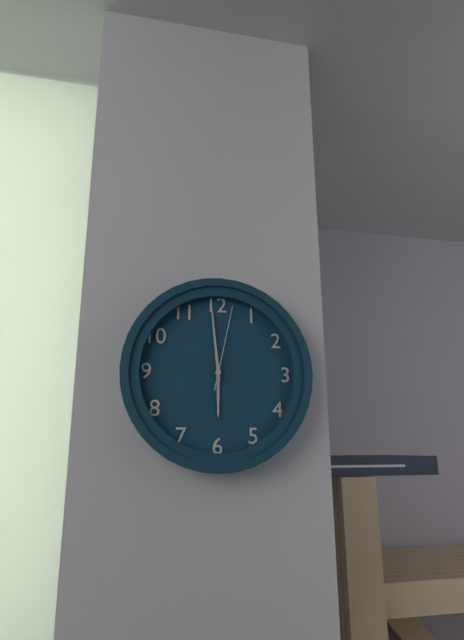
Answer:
{"hour": 5, "minute": 59, "second": 2}
